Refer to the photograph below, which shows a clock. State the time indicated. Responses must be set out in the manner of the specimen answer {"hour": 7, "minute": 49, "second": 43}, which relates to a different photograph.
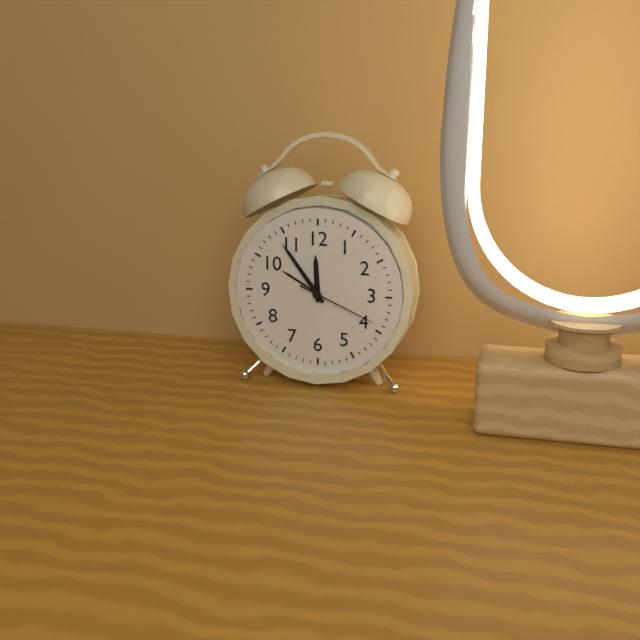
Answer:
{"hour": 11, "minute": 54, "second": 19}
